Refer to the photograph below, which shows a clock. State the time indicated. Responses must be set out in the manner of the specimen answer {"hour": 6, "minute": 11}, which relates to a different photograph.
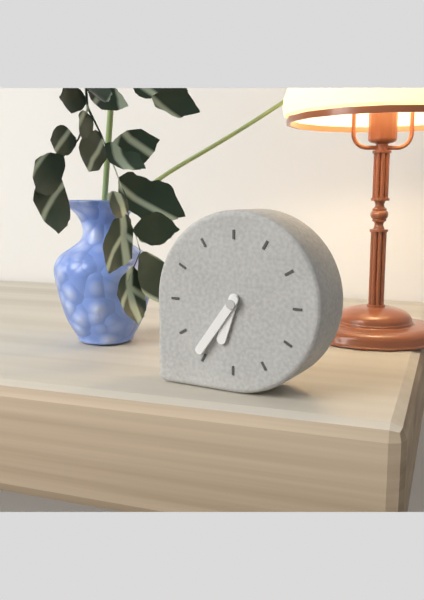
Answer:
{"hour": 6, "minute": 36}
